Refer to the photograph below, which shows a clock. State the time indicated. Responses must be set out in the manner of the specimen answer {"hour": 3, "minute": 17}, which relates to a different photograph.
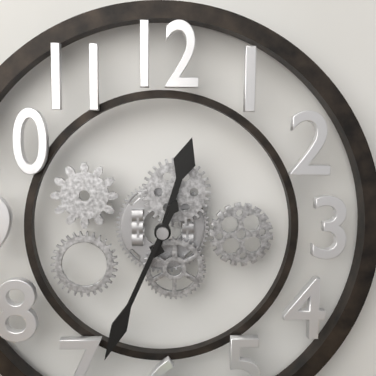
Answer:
{"hour": 12, "minute": 34}
